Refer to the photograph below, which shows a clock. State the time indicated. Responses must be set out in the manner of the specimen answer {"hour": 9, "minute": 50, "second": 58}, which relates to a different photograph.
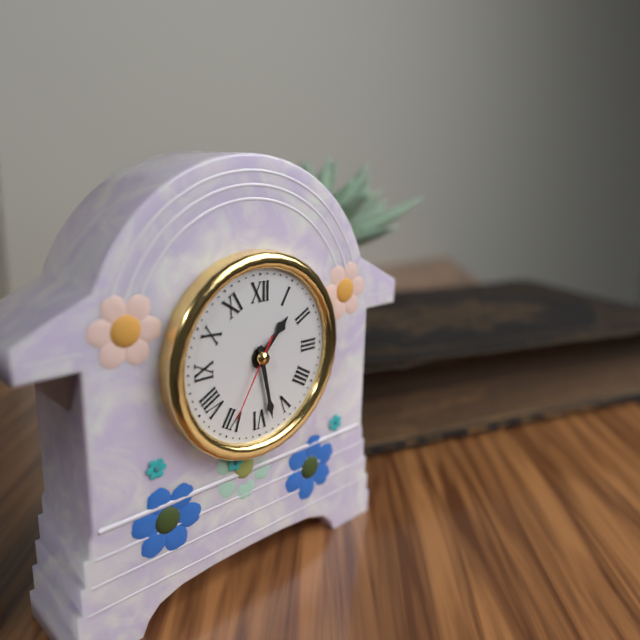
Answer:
{"hour": 1, "minute": 28, "second": 35}
